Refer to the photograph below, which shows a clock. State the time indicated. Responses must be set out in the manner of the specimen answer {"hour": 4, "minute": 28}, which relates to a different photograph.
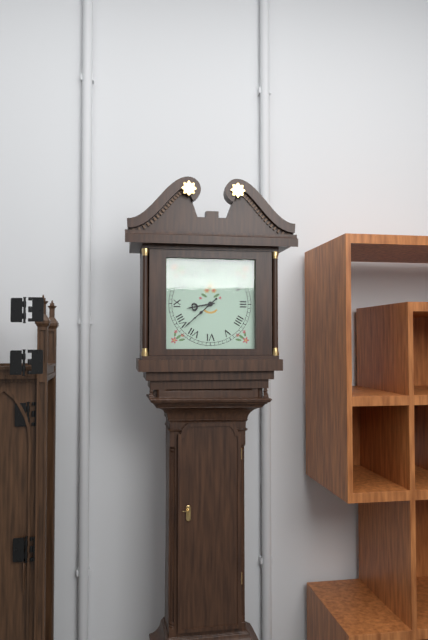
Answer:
{"hour": 8, "minute": 38}
